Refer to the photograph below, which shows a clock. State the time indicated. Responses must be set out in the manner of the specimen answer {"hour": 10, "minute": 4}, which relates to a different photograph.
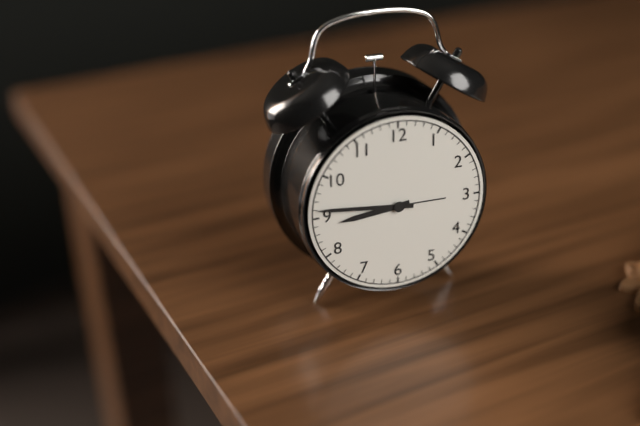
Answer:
{"hour": 8, "minute": 46}
